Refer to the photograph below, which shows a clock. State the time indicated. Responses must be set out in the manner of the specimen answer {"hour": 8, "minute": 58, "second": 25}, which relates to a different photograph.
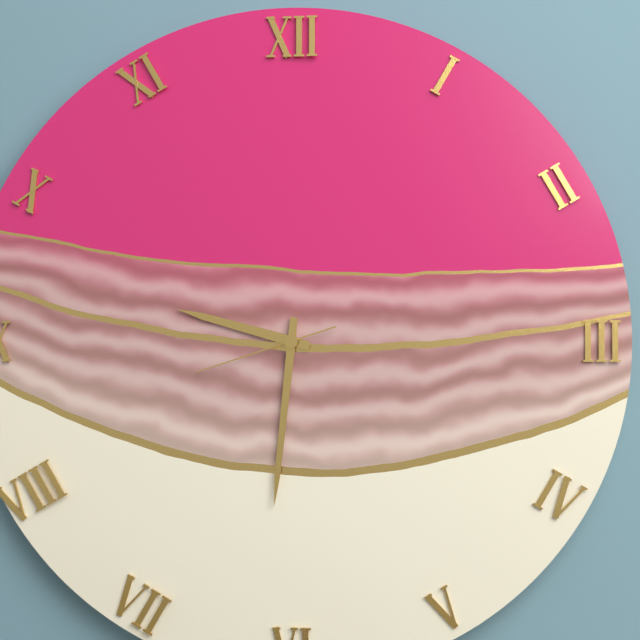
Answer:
{"hour": 9, "minute": 31, "second": 42}
